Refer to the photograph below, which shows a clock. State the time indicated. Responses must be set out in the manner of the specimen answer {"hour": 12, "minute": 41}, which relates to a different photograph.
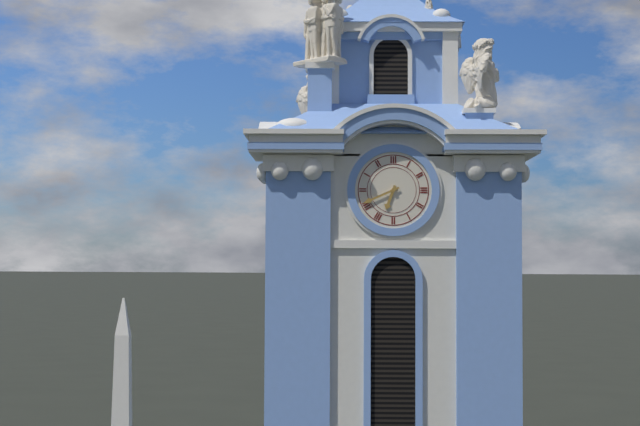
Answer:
{"hour": 6, "minute": 41}
